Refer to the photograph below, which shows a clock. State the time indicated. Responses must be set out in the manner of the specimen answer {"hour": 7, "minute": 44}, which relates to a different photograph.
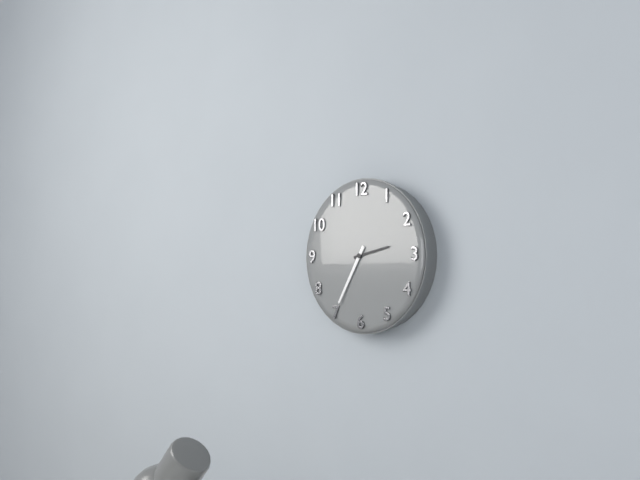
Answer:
{"hour": 2, "minute": 35}
